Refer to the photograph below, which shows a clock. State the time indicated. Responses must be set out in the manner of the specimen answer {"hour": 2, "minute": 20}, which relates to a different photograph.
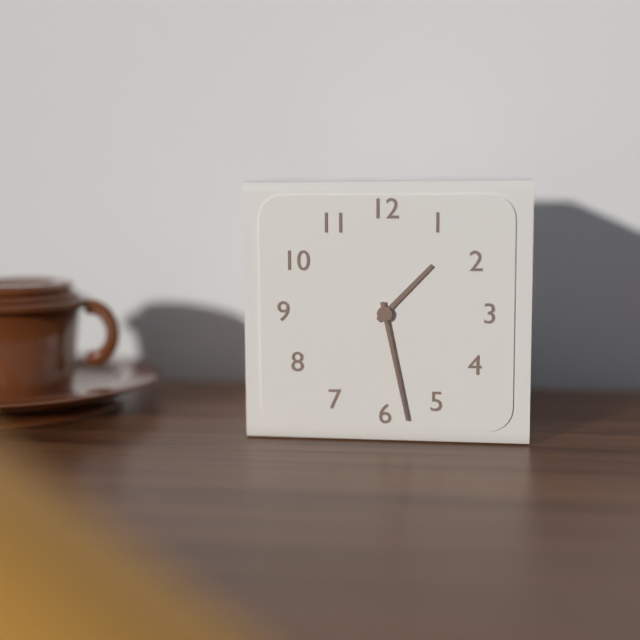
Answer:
{"hour": 1, "minute": 28}
